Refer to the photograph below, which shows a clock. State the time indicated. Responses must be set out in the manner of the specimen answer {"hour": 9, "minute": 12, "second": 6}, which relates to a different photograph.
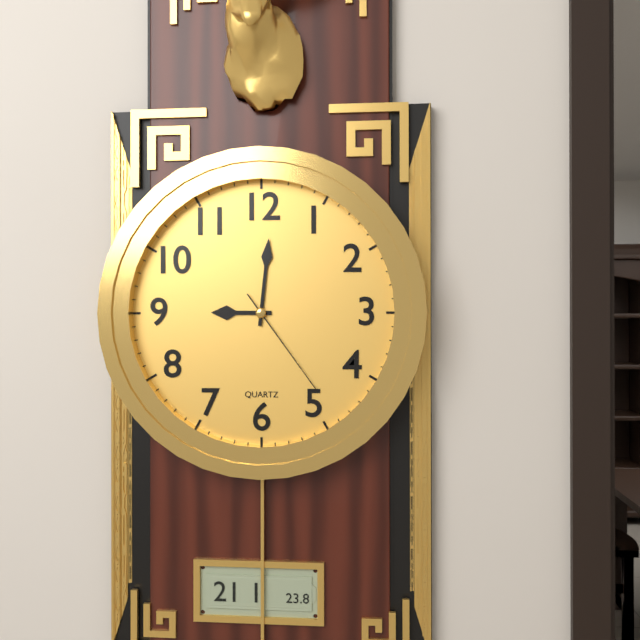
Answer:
{"hour": 9, "minute": 1, "second": 24}
